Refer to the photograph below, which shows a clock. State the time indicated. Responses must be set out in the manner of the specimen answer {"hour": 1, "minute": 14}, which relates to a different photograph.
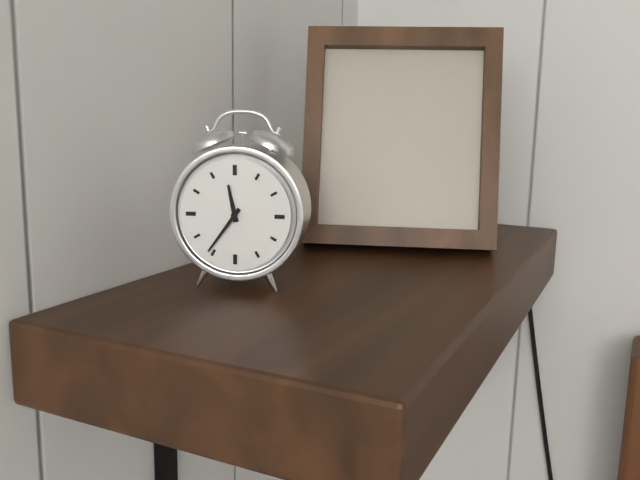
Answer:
{"hour": 11, "minute": 36}
